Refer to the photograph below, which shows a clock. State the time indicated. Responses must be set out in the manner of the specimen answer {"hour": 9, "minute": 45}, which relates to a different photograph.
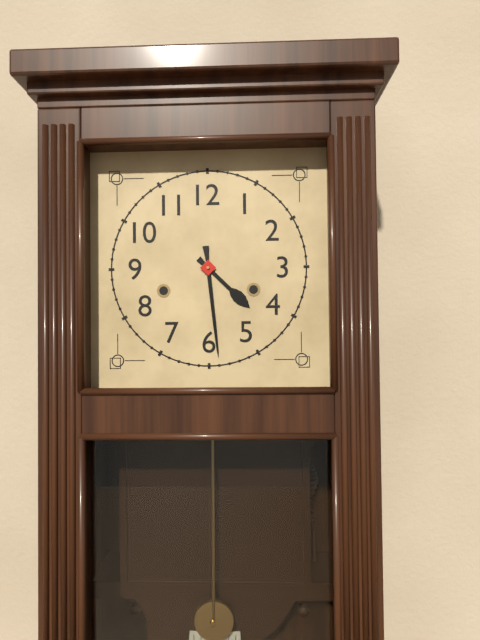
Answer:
{"hour": 4, "minute": 29}
